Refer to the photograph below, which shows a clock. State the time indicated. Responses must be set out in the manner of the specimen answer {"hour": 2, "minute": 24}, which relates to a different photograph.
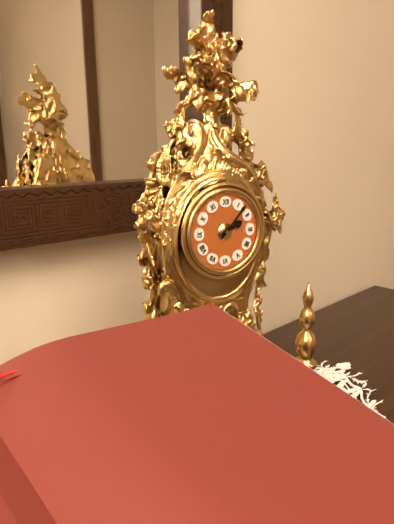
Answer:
{"hour": 2, "minute": 7}
